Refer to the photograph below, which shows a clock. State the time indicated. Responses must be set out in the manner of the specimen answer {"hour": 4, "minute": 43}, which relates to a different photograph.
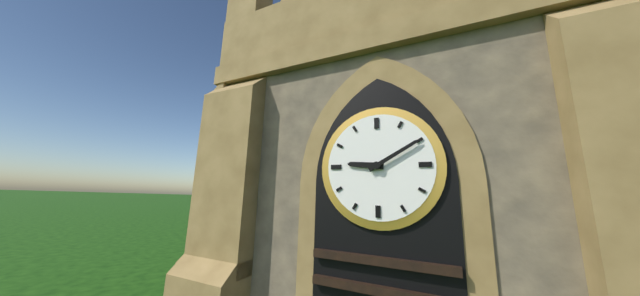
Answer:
{"hour": 9, "minute": 10}
